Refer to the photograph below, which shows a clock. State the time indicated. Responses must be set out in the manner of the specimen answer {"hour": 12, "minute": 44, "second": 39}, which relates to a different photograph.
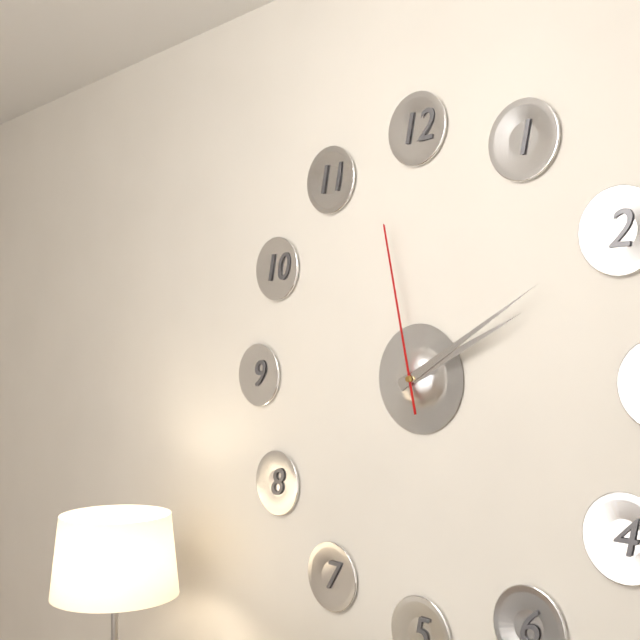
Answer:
{"hour": 2, "minute": 10, "second": 58}
